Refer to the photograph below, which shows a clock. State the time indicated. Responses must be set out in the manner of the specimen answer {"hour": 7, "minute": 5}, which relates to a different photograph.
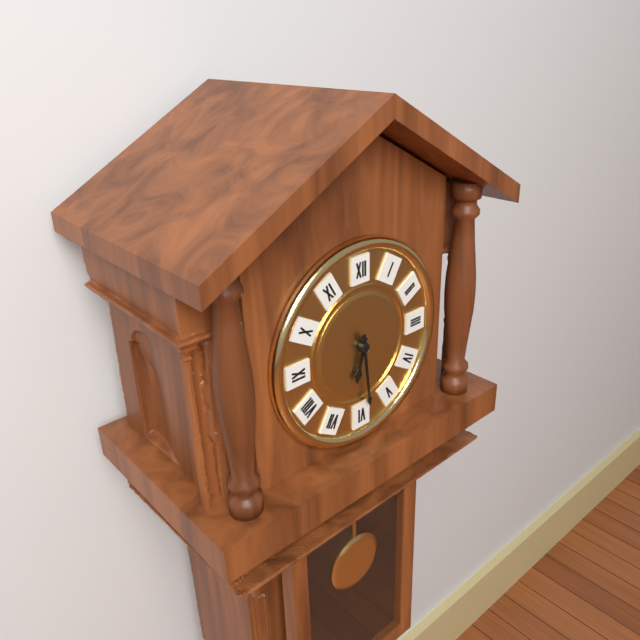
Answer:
{"hour": 6, "minute": 29}
